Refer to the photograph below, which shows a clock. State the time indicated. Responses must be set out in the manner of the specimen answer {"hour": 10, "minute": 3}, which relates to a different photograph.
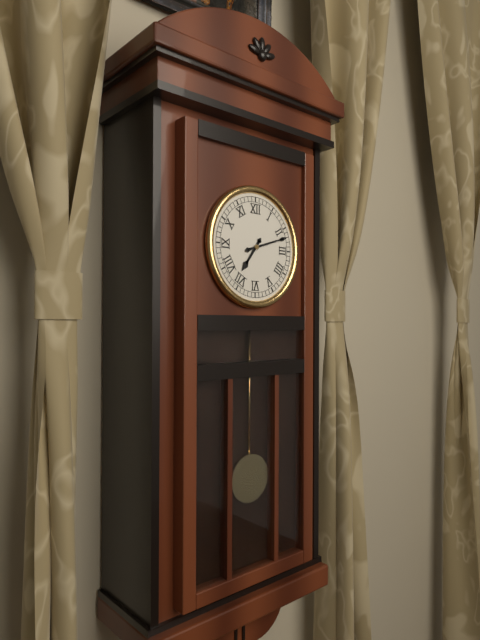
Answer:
{"hour": 7, "minute": 12}
